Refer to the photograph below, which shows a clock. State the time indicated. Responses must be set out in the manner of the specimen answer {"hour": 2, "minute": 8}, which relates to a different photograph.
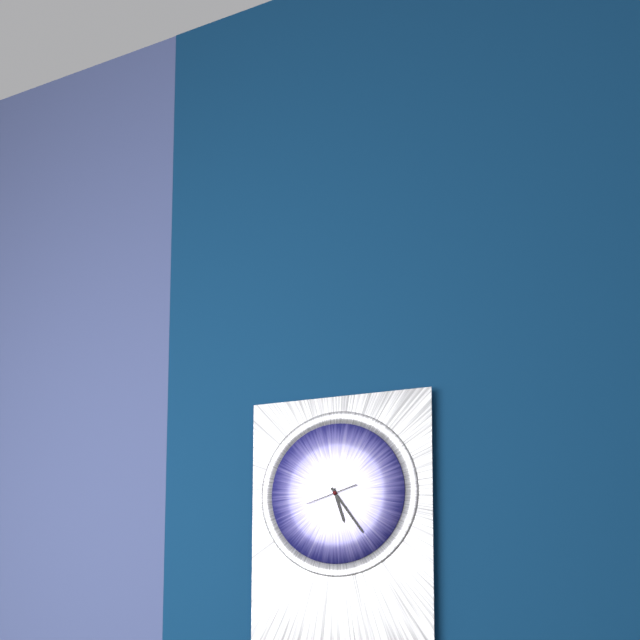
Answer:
{"hour": 5, "minute": 24}
